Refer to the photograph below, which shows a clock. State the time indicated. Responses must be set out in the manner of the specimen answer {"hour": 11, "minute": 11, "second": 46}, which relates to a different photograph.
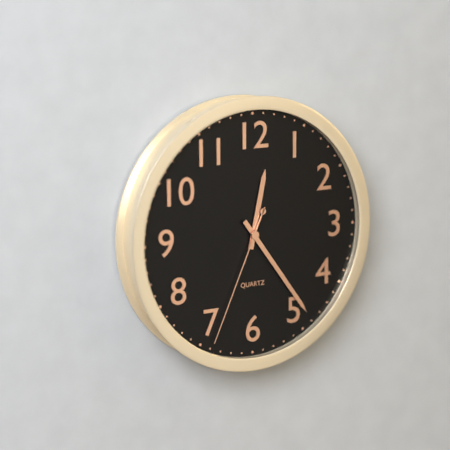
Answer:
{"hour": 12, "minute": 24, "second": 34}
